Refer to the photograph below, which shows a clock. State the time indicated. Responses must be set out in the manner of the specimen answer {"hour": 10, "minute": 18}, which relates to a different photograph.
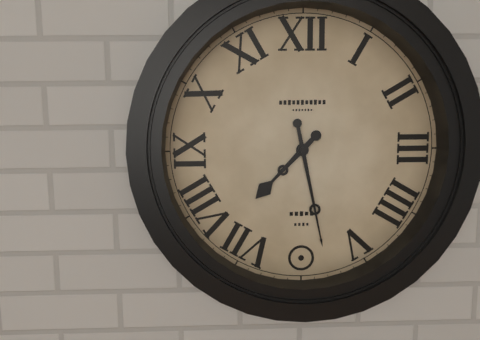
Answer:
{"hour": 7, "minute": 28}
